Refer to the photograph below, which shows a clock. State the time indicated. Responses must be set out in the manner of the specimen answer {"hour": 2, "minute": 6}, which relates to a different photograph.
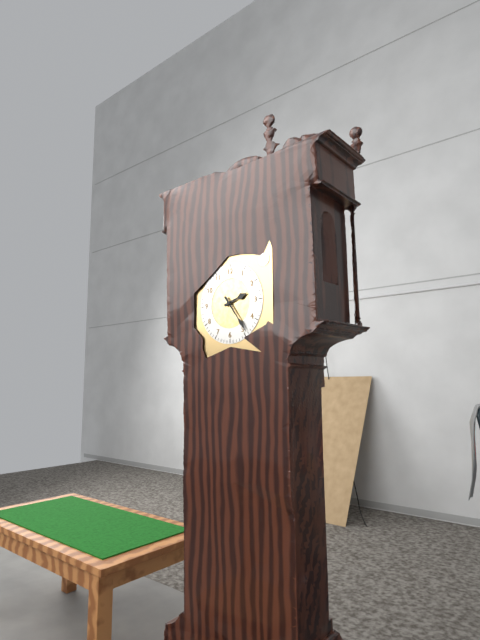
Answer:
{"hour": 2, "minute": 24}
